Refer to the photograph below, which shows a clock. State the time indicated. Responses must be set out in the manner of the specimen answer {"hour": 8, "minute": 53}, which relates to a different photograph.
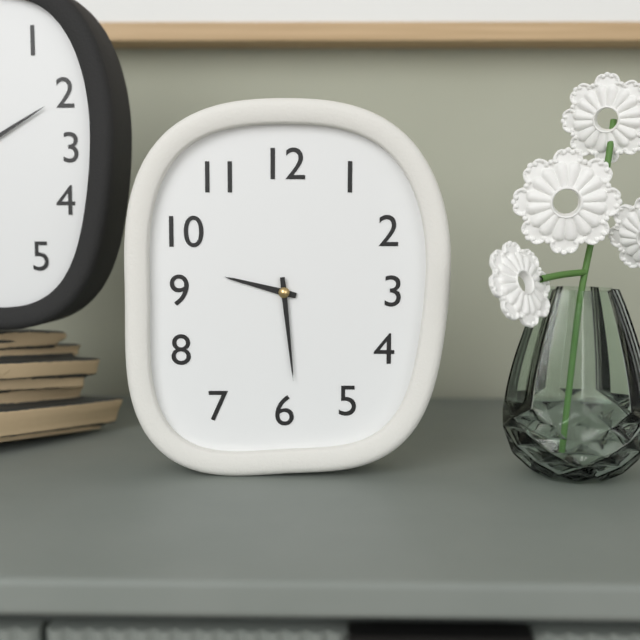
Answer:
{"hour": 9, "minute": 29}
